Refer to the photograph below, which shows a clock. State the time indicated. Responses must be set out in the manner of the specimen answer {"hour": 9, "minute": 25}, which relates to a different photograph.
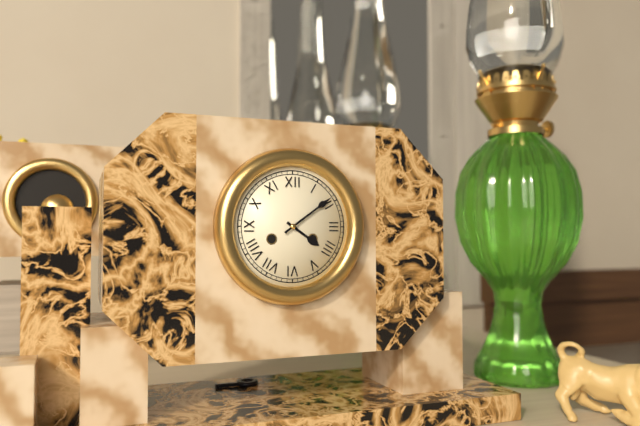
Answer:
{"hour": 4, "minute": 9}
